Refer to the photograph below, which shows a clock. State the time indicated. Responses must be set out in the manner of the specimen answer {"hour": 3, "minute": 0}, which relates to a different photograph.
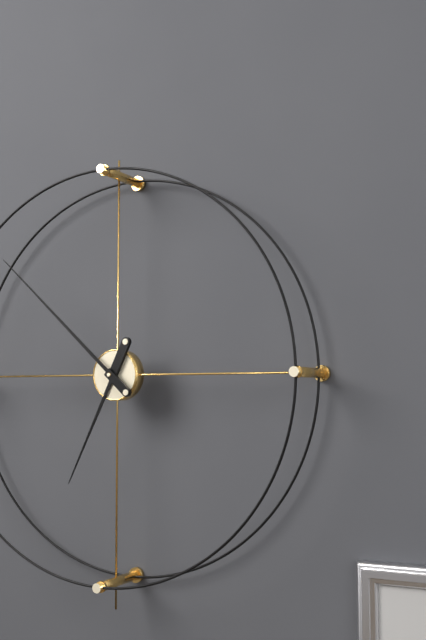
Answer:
{"hour": 6, "minute": 52}
